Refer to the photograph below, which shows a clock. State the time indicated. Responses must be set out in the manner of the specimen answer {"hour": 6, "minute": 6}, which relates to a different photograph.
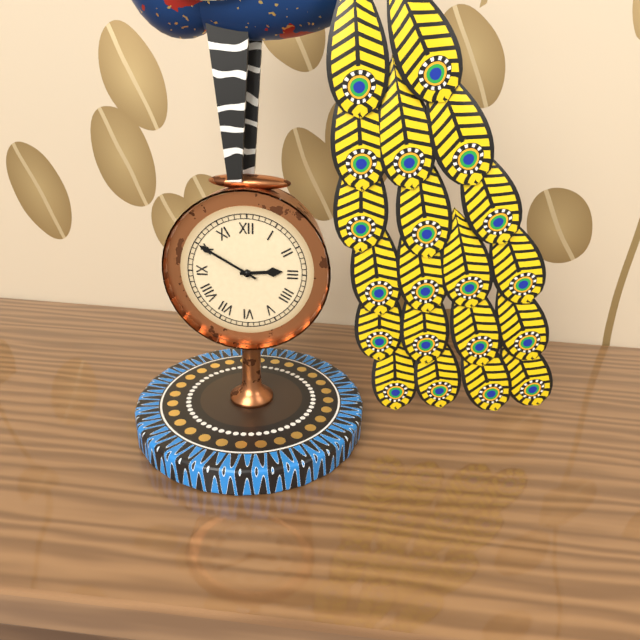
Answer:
{"hour": 2, "minute": 50}
